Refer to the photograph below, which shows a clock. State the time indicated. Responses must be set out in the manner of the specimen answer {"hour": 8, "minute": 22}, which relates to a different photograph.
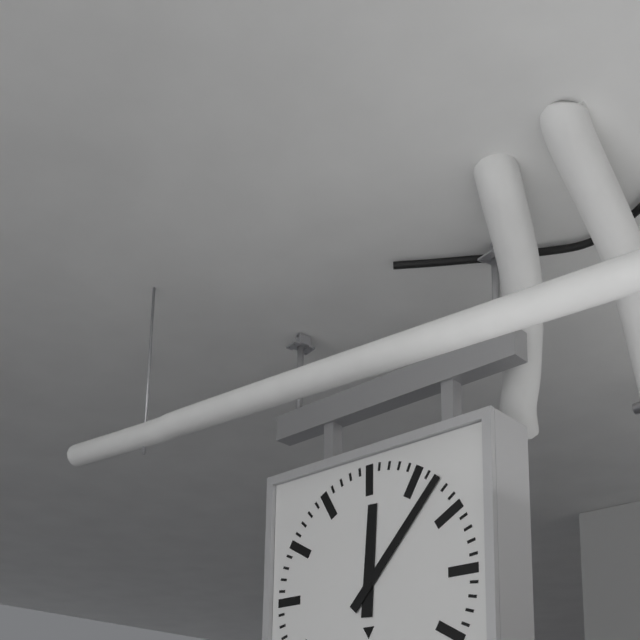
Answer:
{"hour": 12, "minute": 7}
